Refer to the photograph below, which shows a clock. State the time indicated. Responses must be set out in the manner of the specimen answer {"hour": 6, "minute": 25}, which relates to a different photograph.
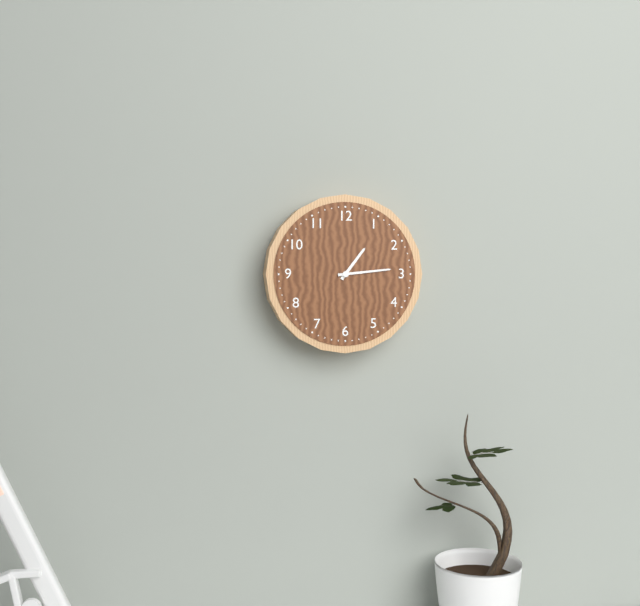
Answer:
{"hour": 1, "minute": 14}
